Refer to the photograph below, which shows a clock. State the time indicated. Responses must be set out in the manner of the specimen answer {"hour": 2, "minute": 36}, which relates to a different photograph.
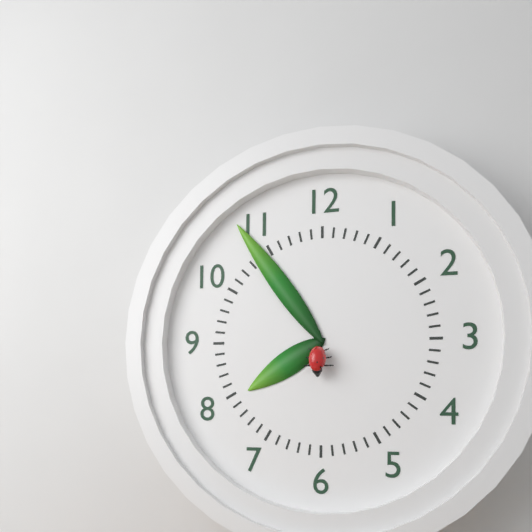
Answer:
{"hour": 7, "minute": 54}
